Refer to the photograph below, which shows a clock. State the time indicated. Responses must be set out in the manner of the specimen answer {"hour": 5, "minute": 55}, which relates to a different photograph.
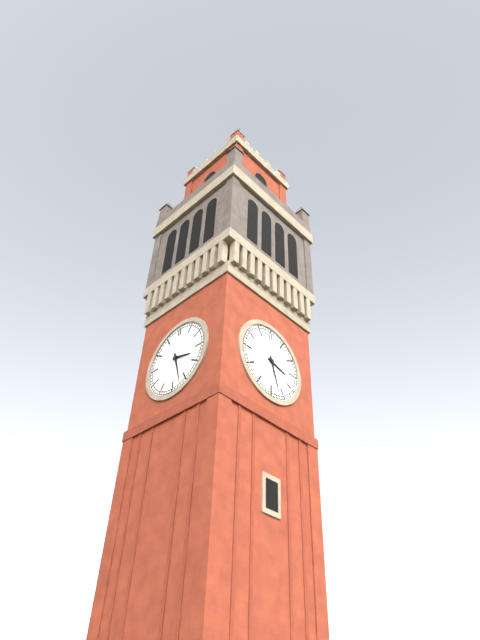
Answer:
{"hour": 3, "minute": 27}
